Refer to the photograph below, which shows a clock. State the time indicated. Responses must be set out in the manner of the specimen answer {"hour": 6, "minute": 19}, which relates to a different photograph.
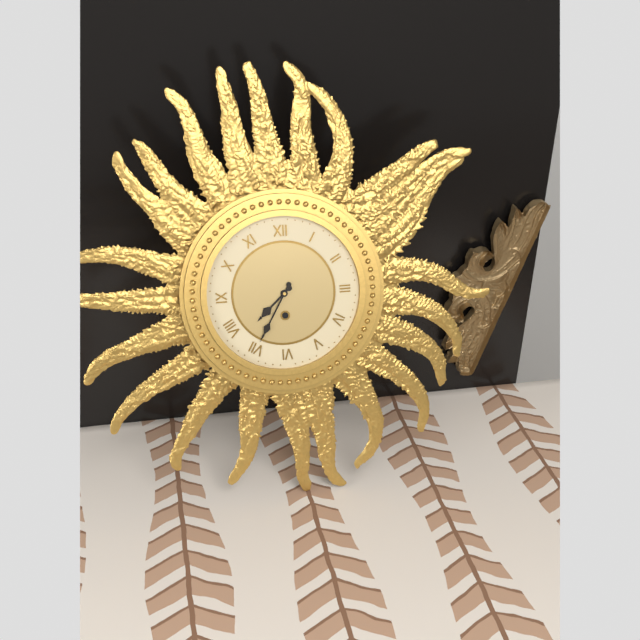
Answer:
{"hour": 7, "minute": 35}
